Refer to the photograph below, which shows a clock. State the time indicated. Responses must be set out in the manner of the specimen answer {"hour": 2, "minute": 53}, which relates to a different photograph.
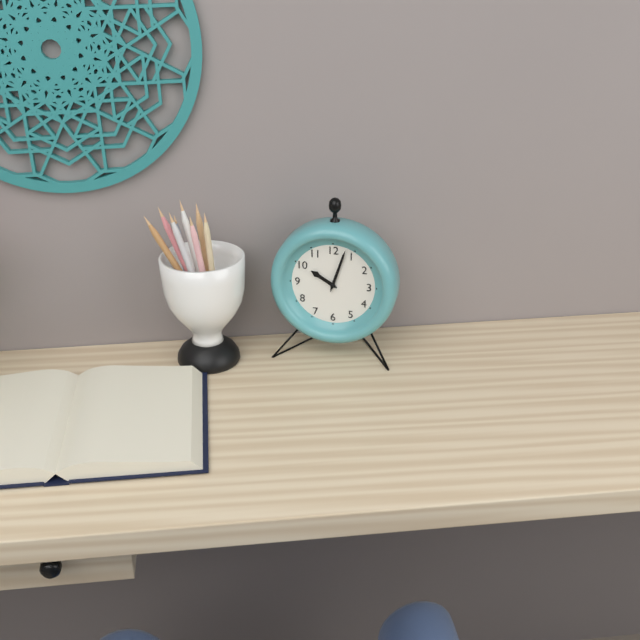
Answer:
{"hour": 10, "minute": 3}
